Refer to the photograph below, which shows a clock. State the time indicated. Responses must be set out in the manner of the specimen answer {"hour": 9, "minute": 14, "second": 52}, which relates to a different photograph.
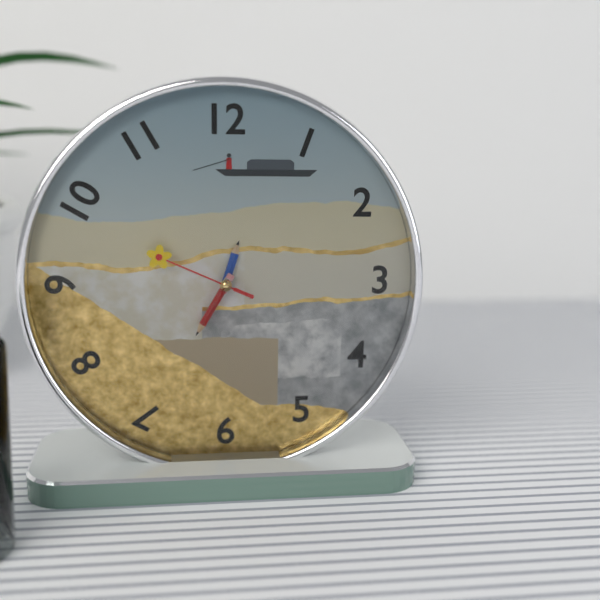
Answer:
{"hour": 12, "minute": 35, "second": 49}
